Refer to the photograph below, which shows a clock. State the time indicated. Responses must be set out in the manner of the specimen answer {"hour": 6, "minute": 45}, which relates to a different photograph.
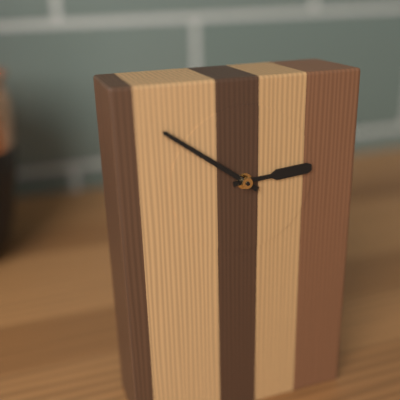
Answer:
{"hour": 2, "minute": 51}
